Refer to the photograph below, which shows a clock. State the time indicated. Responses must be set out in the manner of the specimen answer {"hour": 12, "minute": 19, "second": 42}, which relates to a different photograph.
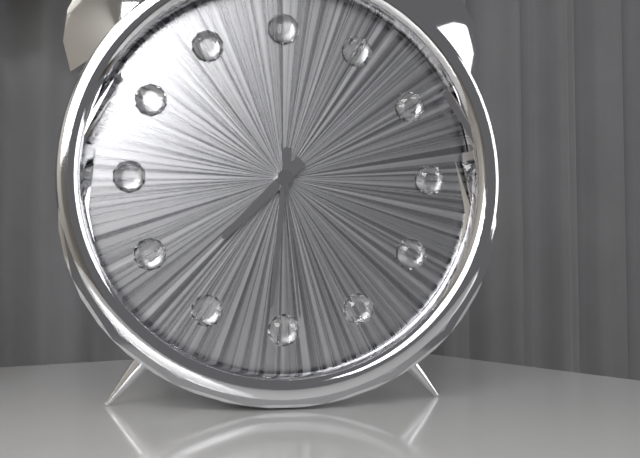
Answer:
{"hour": 7, "minute": 31, "second": 29}
